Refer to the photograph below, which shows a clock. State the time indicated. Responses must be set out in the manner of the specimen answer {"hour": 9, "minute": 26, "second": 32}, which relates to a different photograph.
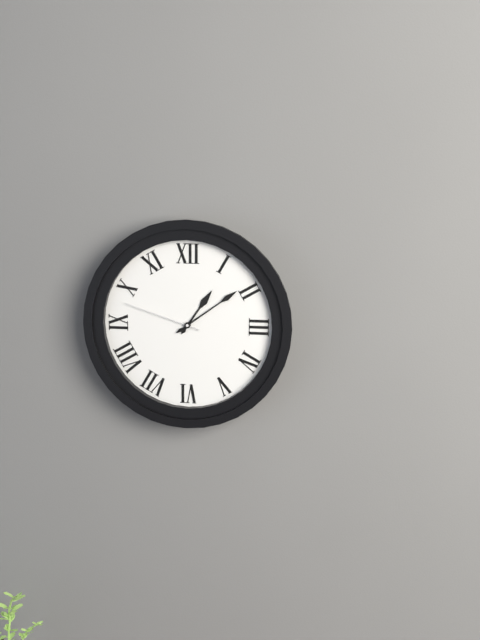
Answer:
{"hour": 1, "minute": 9, "second": 48}
